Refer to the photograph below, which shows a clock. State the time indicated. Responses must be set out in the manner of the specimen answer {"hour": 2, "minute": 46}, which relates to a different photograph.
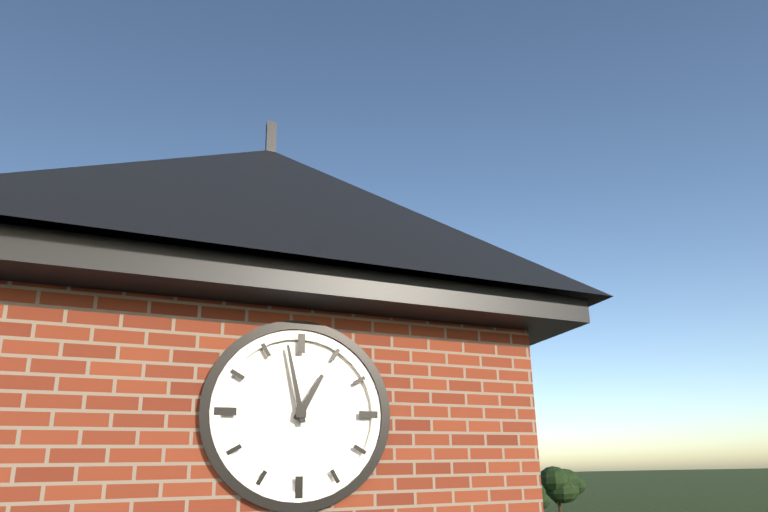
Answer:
{"hour": 12, "minute": 58}
